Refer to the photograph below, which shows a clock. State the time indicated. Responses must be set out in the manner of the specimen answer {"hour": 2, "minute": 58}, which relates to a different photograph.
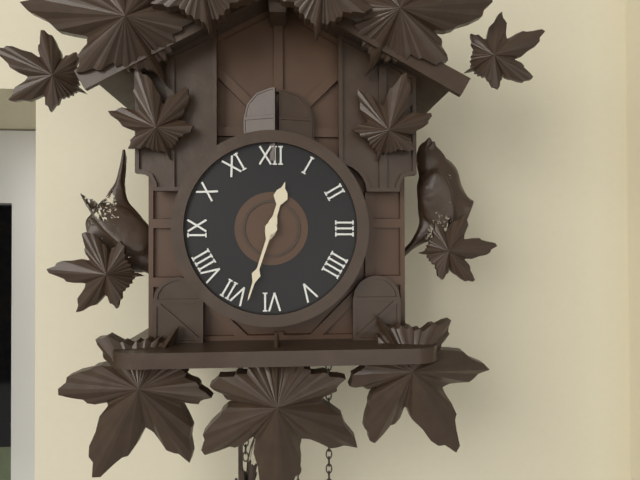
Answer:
{"hour": 12, "minute": 33}
